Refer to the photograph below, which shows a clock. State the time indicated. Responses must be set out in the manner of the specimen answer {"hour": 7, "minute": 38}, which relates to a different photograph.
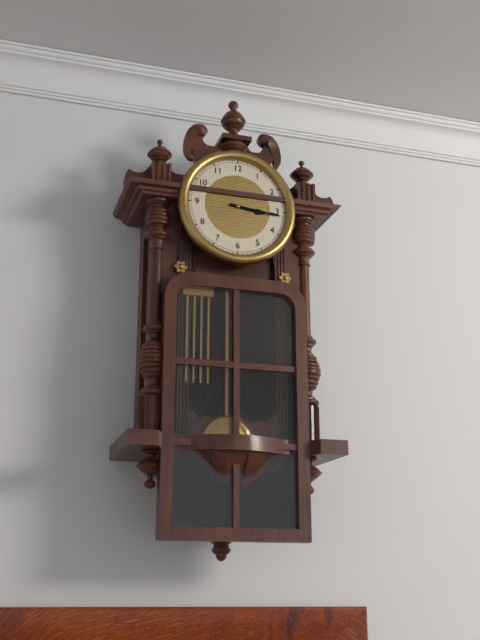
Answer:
{"hour": 3, "minute": 16}
